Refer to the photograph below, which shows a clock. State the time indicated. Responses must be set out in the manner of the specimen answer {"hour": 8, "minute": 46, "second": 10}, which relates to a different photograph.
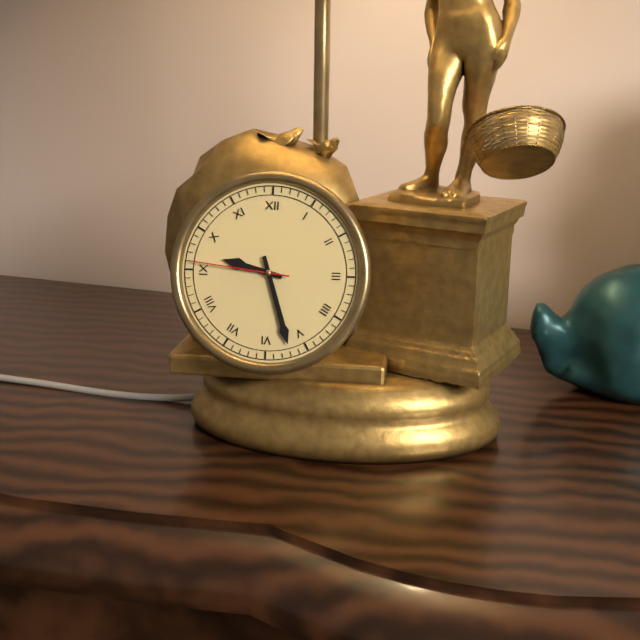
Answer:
{"hour": 9, "minute": 27, "second": 46}
